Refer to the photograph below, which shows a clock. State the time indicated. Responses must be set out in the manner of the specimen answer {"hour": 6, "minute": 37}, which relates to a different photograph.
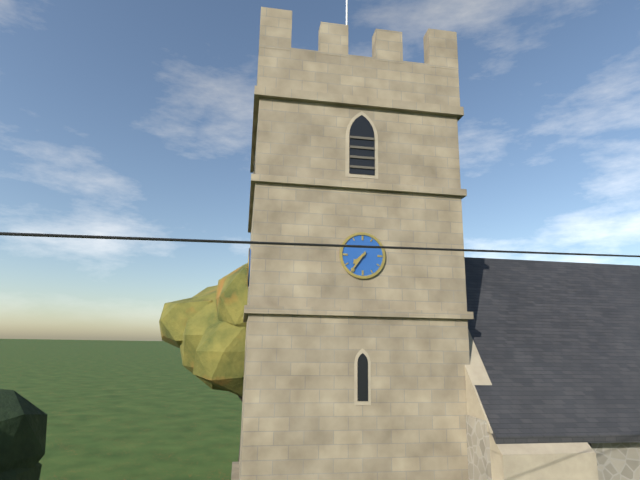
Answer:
{"hour": 7, "minute": 36}
